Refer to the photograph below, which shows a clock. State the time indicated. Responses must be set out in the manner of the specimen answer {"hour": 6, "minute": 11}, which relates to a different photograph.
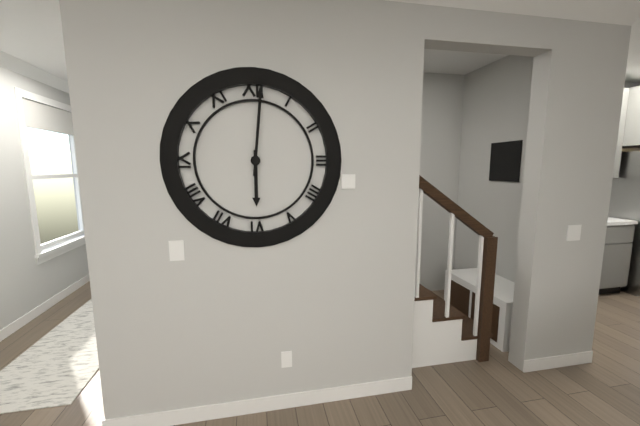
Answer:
{"hour": 6, "minute": 1}
